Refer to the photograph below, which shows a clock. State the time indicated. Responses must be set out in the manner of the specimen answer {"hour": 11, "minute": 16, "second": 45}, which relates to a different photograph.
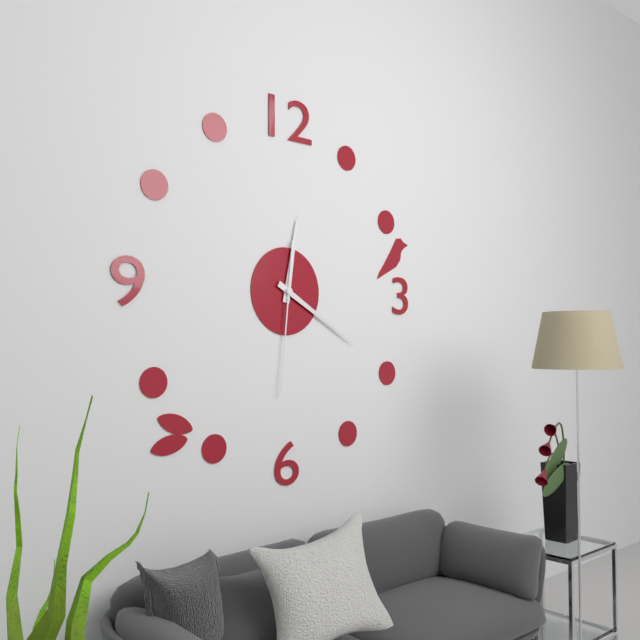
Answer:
{"hour": 12, "minute": 20, "second": 31}
